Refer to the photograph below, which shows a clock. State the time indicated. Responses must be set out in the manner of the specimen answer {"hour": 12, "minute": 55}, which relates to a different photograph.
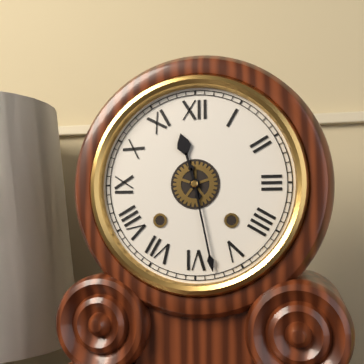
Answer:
{"hour": 11, "minute": 28}
